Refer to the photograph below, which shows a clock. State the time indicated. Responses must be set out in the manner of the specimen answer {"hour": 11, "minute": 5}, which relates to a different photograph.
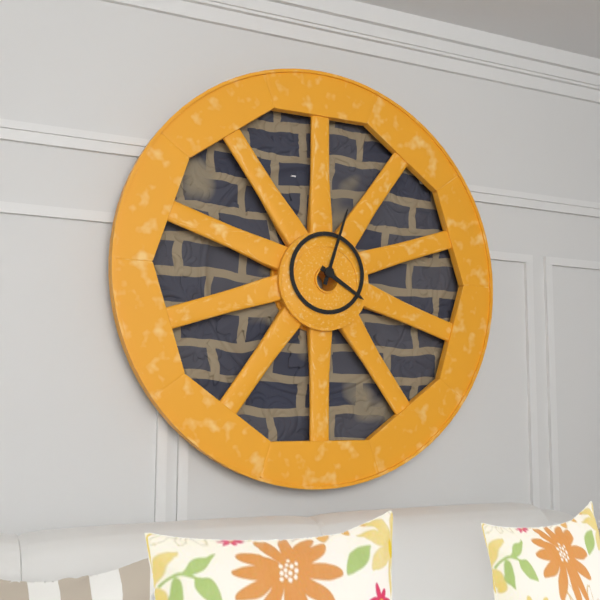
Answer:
{"hour": 4, "minute": 3}
